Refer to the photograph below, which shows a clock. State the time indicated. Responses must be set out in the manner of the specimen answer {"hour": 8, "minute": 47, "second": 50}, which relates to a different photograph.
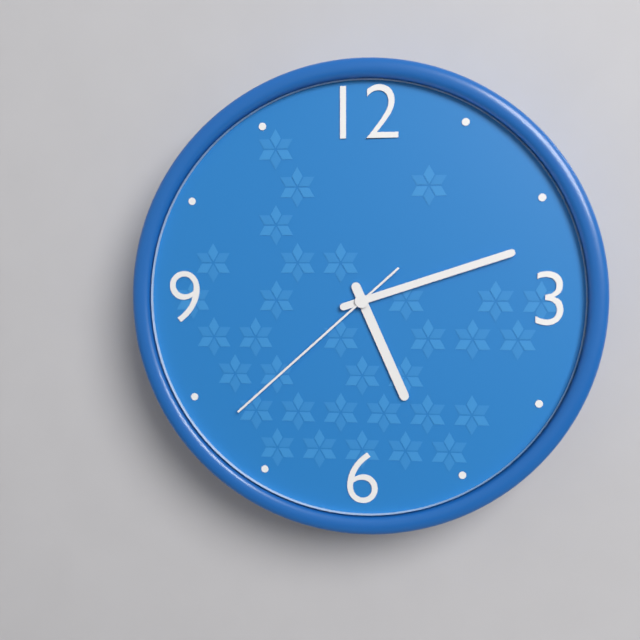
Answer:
{"hour": 5, "minute": 12, "second": 38}
